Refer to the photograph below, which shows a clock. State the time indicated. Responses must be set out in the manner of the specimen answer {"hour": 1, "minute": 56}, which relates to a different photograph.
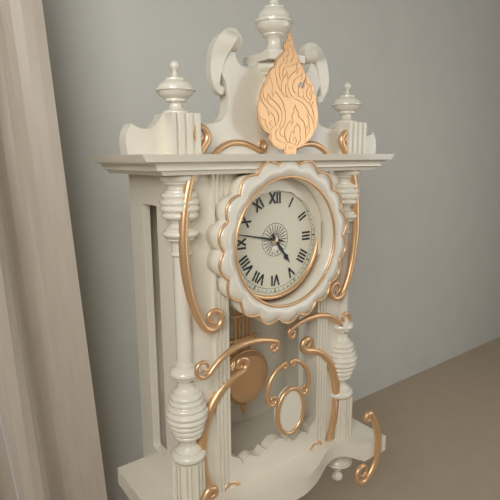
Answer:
{"hour": 4, "minute": 47}
